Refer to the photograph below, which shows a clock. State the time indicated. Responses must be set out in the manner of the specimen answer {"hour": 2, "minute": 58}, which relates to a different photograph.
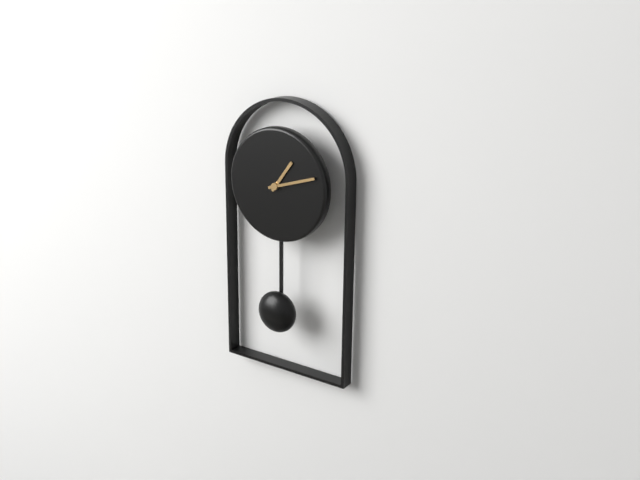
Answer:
{"hour": 1, "minute": 12}
